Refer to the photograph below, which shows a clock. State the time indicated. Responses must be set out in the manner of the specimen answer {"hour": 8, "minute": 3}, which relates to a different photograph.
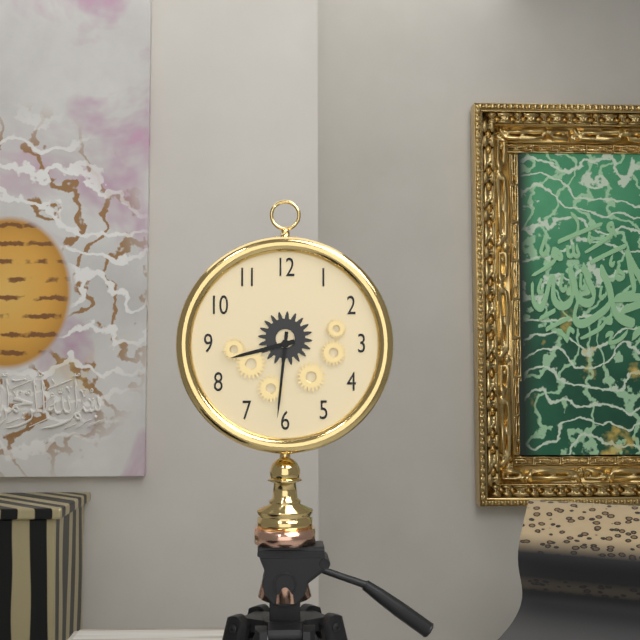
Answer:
{"hour": 8, "minute": 31}
